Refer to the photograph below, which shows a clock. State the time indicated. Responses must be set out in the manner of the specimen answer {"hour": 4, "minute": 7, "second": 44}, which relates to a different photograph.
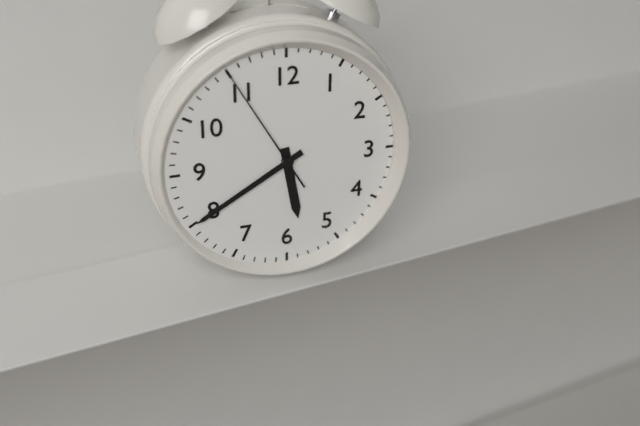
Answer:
{"hour": 5, "minute": 40, "second": 55}
